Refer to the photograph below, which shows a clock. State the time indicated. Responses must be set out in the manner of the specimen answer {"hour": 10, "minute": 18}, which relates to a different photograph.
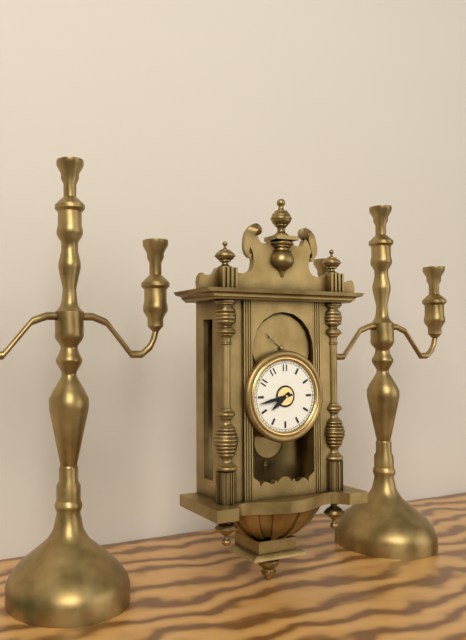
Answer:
{"hour": 7, "minute": 43}
